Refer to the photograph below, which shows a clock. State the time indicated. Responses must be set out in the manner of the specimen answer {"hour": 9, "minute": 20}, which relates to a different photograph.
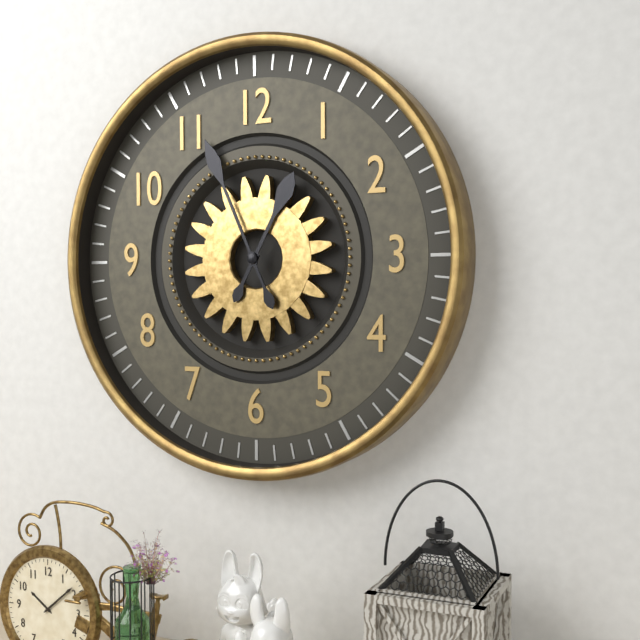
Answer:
{"hour": 12, "minute": 56}
